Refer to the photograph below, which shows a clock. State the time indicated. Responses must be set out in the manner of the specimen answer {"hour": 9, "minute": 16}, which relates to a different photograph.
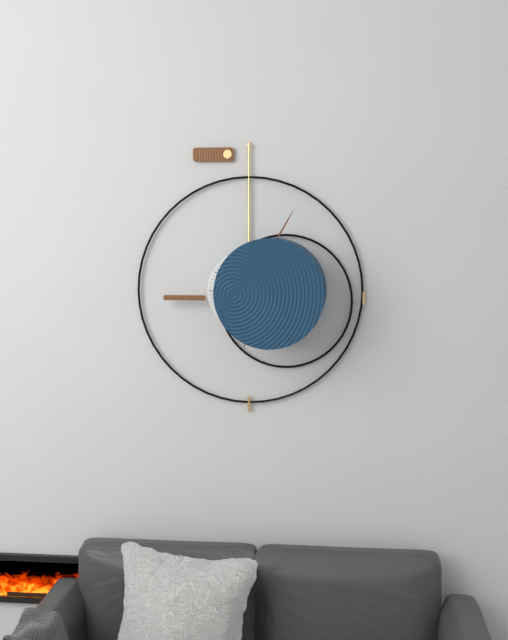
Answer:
{"hour": 6, "minute": 5}
